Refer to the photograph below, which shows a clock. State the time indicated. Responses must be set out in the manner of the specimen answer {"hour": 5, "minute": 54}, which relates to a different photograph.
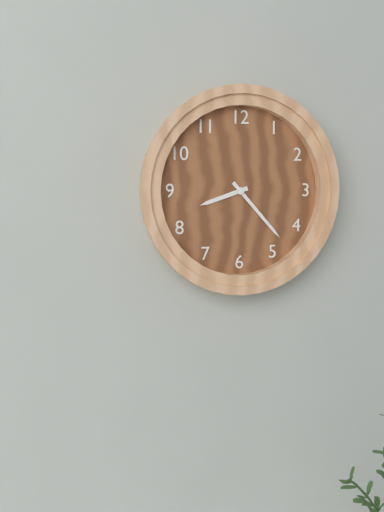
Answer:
{"hour": 8, "minute": 23}
